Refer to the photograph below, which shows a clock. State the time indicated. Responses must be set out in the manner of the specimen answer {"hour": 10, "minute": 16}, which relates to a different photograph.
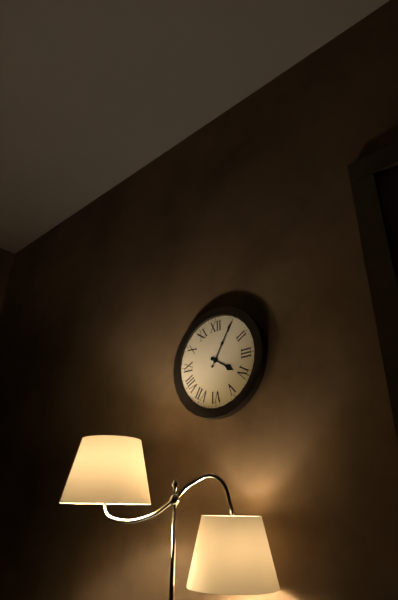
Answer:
{"hour": 4, "minute": 5}
